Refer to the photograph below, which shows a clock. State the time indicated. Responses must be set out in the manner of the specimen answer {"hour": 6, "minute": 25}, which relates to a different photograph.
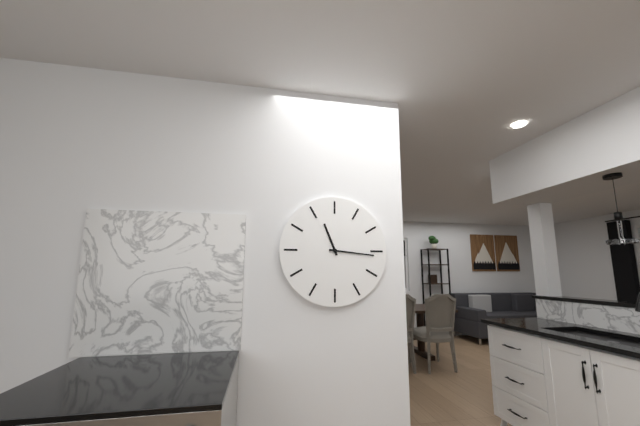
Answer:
{"hour": 11, "minute": 16}
